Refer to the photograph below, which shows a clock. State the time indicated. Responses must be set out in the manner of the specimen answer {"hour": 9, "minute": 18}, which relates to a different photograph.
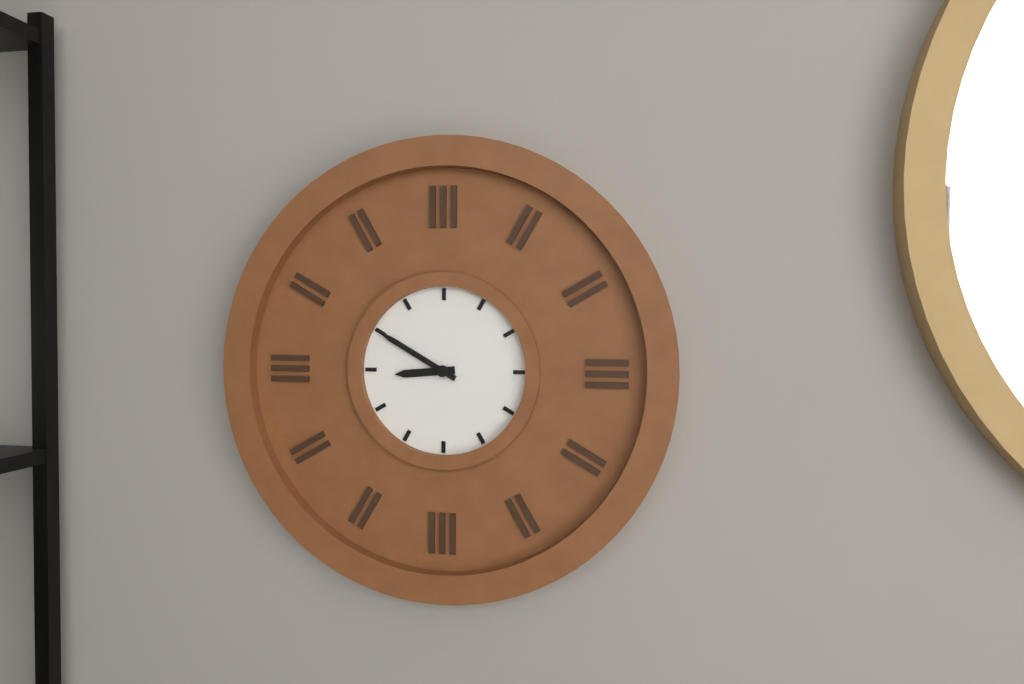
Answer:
{"hour": 8, "minute": 50}
